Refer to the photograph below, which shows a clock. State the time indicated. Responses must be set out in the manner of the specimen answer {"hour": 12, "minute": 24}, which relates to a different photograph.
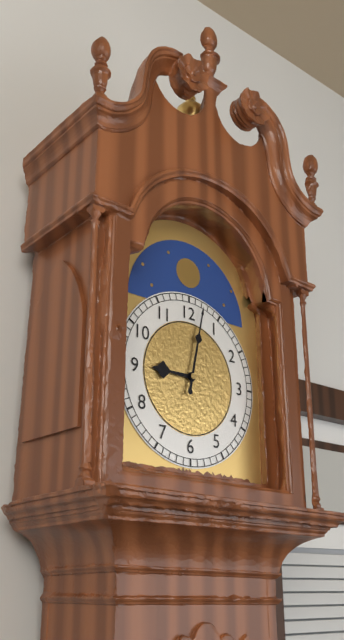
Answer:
{"hour": 9, "minute": 2}
